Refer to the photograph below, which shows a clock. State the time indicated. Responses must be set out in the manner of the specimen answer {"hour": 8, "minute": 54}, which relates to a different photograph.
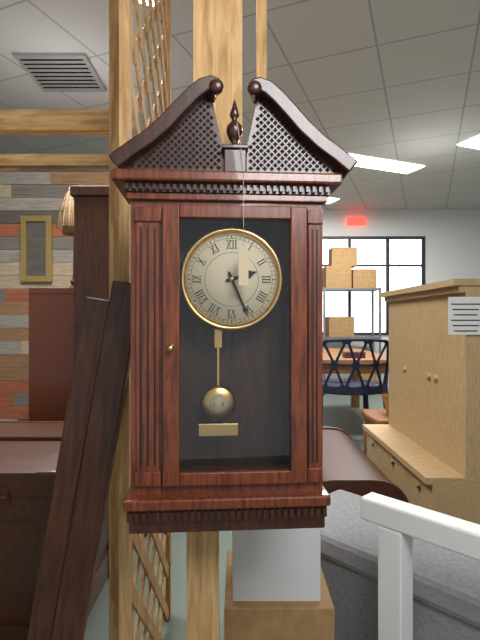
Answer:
{"hour": 2, "minute": 26}
